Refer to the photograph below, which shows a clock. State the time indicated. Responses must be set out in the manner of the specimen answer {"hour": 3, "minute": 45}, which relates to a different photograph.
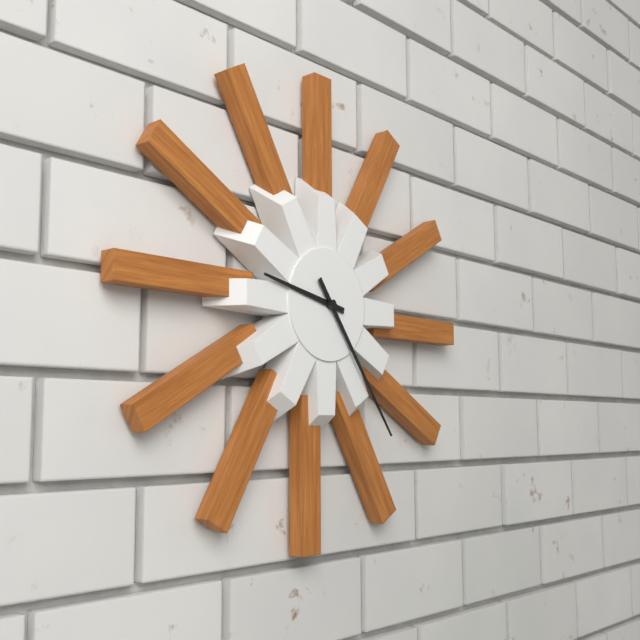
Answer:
{"hour": 9, "minute": 24}
